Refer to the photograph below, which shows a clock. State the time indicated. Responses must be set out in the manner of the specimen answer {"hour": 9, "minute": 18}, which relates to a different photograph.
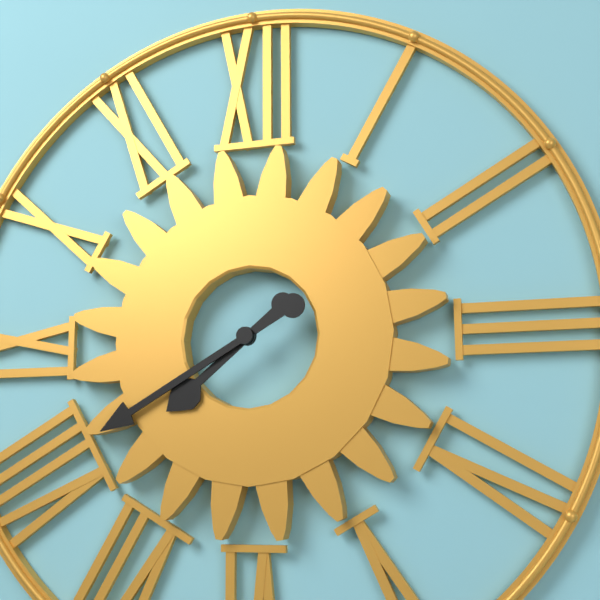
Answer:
{"hour": 7, "minute": 40}
